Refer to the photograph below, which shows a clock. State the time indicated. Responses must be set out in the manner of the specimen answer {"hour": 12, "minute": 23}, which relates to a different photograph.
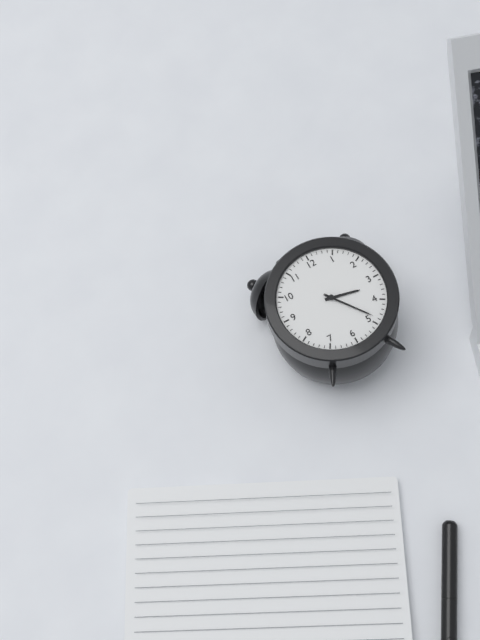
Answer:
{"hour": 3, "minute": 24}
